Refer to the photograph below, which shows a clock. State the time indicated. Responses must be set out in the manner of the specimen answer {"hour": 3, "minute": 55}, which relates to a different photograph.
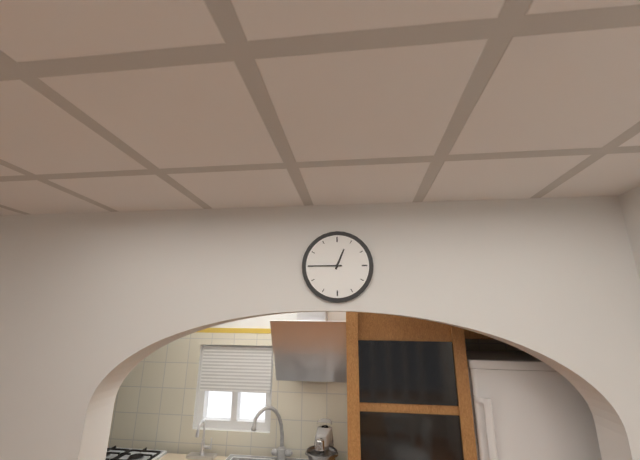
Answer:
{"hour": 12, "minute": 45}
